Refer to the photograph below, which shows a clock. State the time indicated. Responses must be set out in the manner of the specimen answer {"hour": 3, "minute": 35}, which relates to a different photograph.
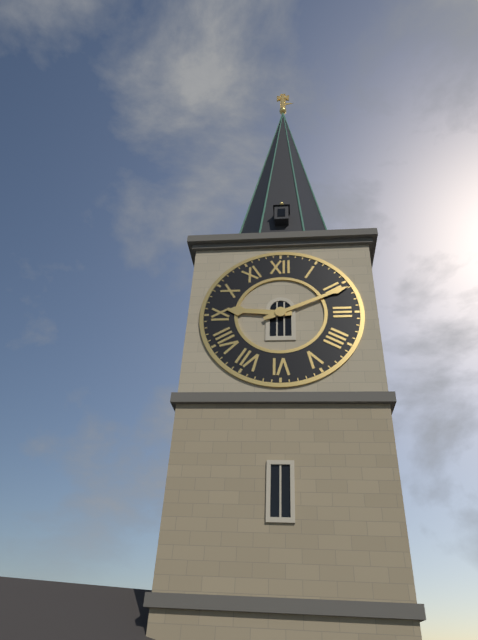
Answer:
{"hour": 9, "minute": 11}
